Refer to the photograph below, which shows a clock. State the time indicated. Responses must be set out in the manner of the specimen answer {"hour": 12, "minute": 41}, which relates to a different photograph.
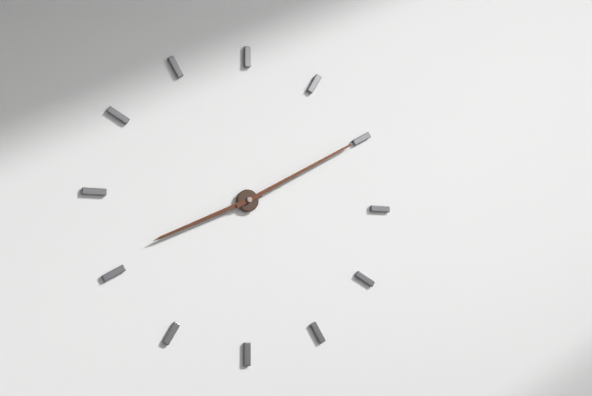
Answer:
{"hour": 8, "minute": 10}
